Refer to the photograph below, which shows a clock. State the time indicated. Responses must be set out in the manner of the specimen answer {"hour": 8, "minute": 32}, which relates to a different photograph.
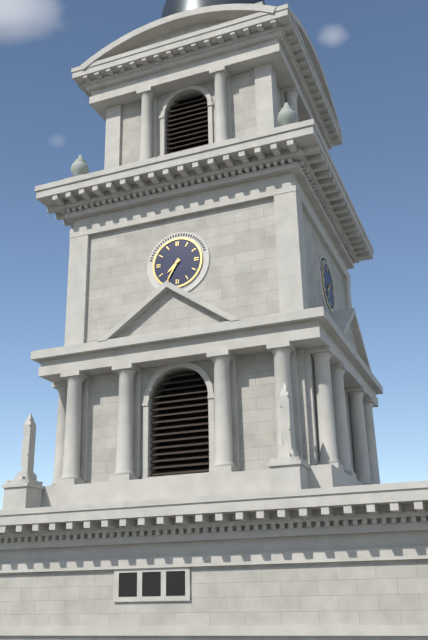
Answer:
{"hour": 7, "minute": 35}
